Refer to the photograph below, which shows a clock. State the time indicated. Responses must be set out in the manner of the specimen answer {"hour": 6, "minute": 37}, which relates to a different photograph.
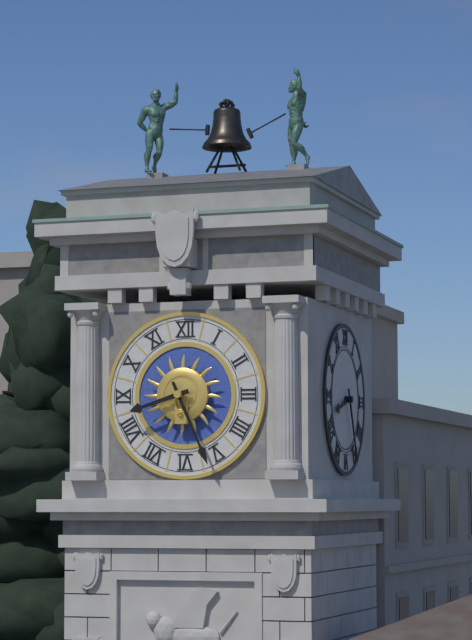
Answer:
{"hour": 8, "minute": 26}
